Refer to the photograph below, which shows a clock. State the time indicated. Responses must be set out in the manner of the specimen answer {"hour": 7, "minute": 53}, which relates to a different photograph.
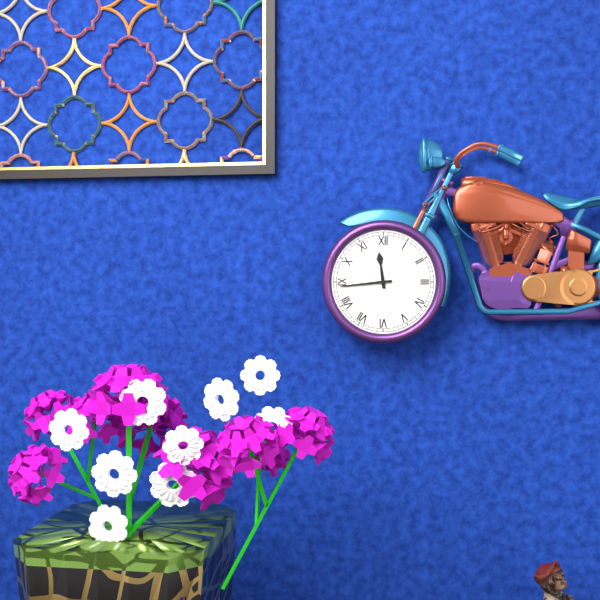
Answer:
{"hour": 11, "minute": 44}
